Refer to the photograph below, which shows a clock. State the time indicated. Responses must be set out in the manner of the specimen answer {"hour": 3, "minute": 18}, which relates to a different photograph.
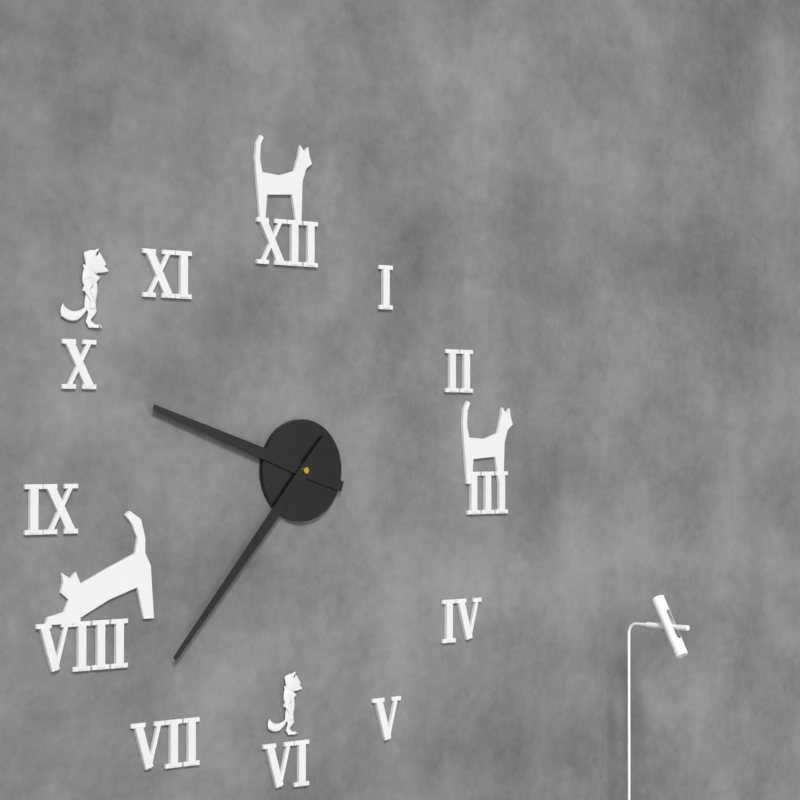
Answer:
{"hour": 9, "minute": 37}
